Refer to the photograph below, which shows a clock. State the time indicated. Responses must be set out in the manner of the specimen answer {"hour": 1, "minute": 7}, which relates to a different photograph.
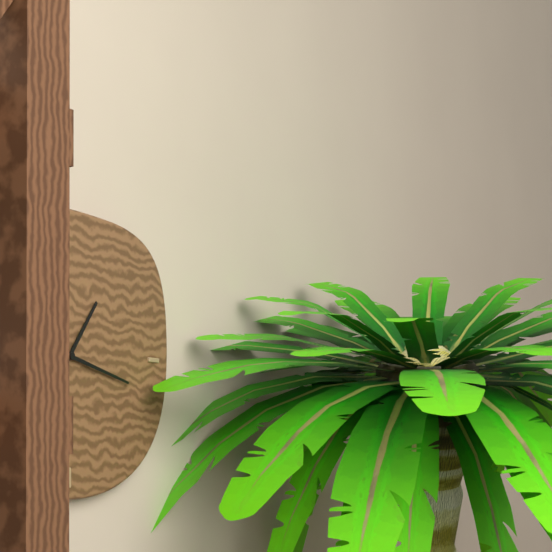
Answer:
{"hour": 1, "minute": 17}
